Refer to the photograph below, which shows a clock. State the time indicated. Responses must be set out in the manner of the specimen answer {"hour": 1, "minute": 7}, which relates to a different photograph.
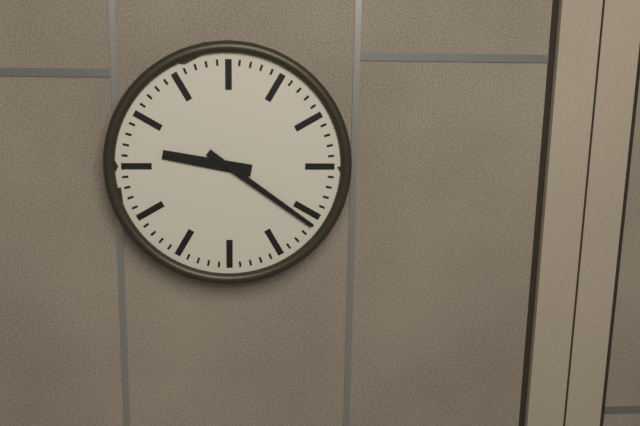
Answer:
{"hour": 9, "minute": 21}
